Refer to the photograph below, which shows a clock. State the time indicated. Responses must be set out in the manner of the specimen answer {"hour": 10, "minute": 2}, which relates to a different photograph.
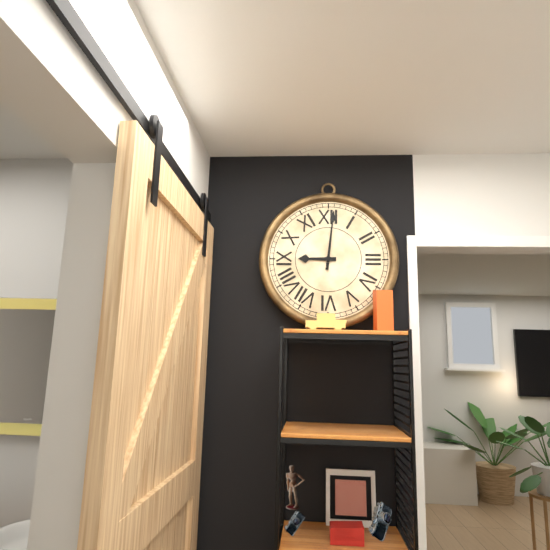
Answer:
{"hour": 9, "minute": 1}
